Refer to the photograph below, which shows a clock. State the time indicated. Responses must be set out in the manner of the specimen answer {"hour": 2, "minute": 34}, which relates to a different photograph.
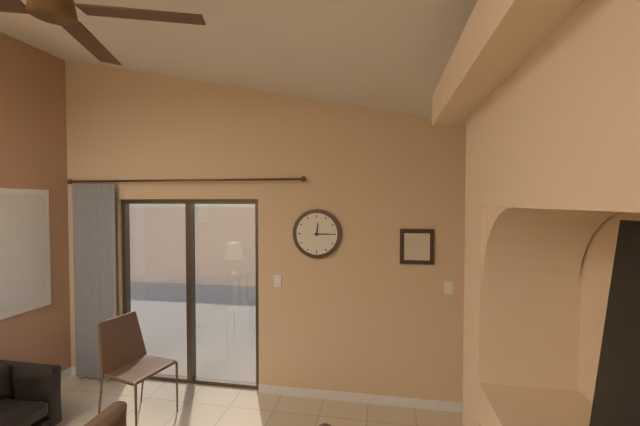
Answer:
{"hour": 12, "minute": 15}
